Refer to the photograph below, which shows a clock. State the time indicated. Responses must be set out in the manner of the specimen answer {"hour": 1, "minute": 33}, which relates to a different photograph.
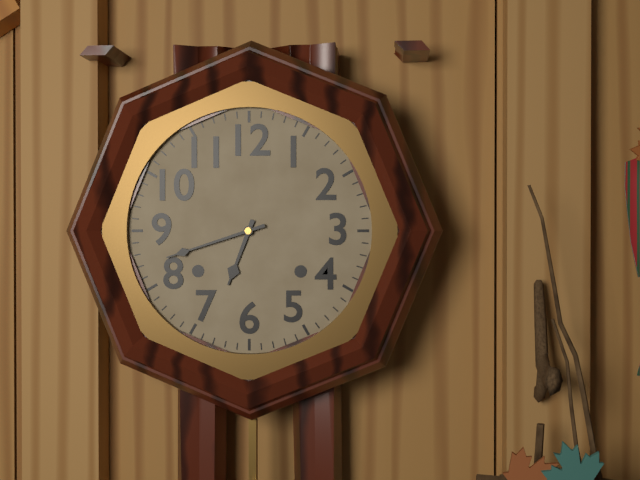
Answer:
{"hour": 6, "minute": 42}
